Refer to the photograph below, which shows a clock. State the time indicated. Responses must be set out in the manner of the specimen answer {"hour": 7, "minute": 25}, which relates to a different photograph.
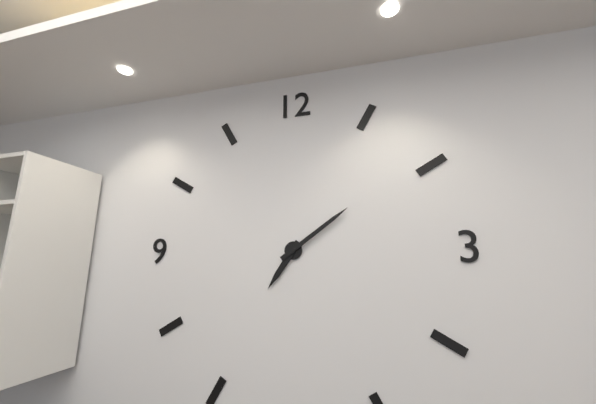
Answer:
{"hour": 7, "minute": 9}
